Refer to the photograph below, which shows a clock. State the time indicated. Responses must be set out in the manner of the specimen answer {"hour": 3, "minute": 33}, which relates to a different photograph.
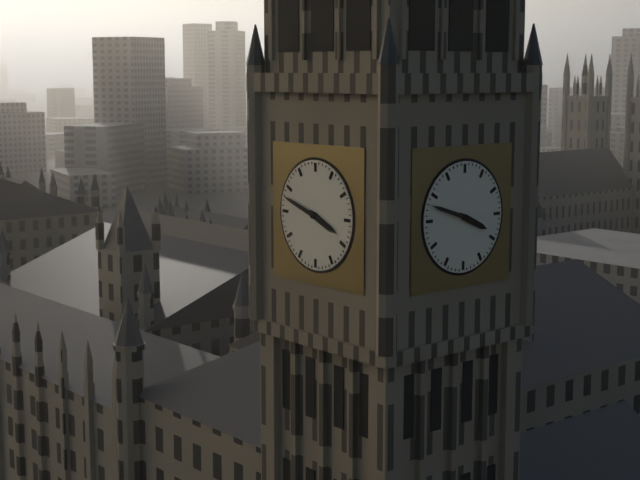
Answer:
{"hour": 3, "minute": 48}
